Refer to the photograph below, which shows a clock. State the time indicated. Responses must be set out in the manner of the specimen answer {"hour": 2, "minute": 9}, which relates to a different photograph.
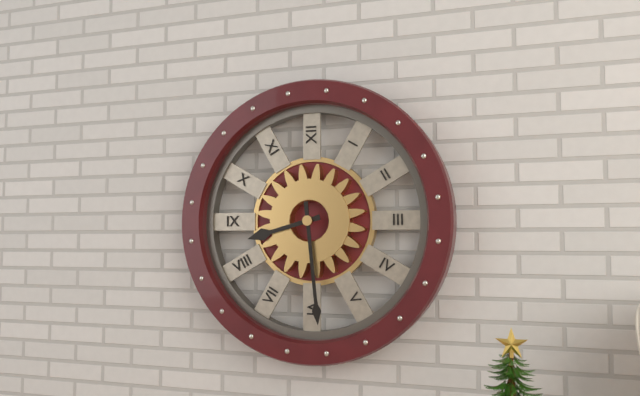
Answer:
{"hour": 8, "minute": 29}
